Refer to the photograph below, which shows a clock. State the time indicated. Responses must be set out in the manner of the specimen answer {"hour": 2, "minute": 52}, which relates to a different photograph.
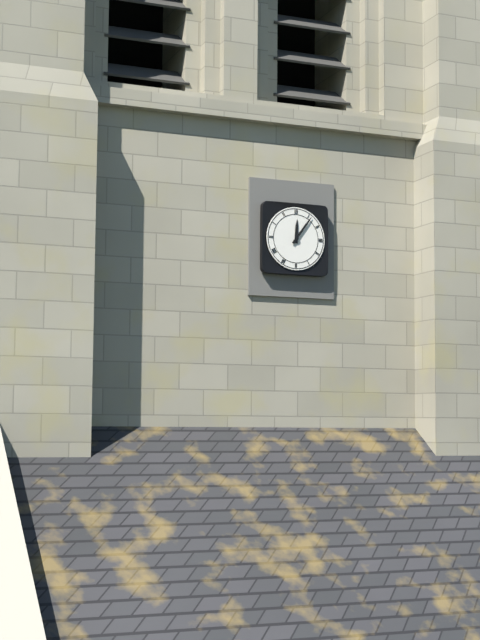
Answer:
{"hour": 12, "minute": 6}
